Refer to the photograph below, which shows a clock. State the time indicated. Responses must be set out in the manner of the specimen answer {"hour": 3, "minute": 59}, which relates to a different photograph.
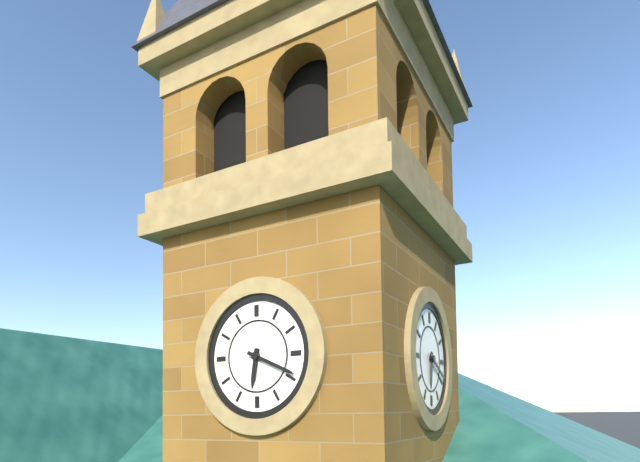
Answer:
{"hour": 6, "minute": 19}
